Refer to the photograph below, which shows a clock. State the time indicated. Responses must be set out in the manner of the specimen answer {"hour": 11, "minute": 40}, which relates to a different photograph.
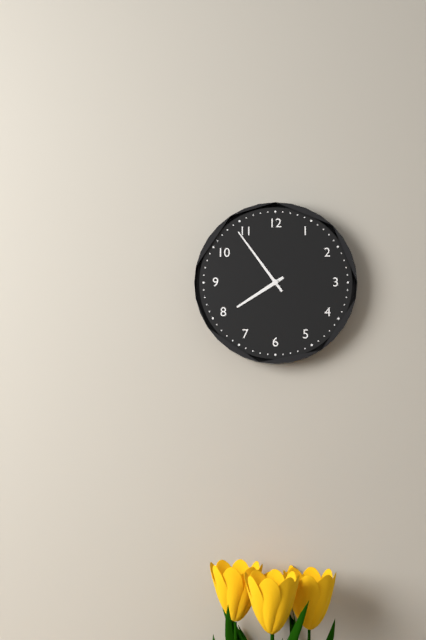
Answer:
{"hour": 7, "minute": 54}
